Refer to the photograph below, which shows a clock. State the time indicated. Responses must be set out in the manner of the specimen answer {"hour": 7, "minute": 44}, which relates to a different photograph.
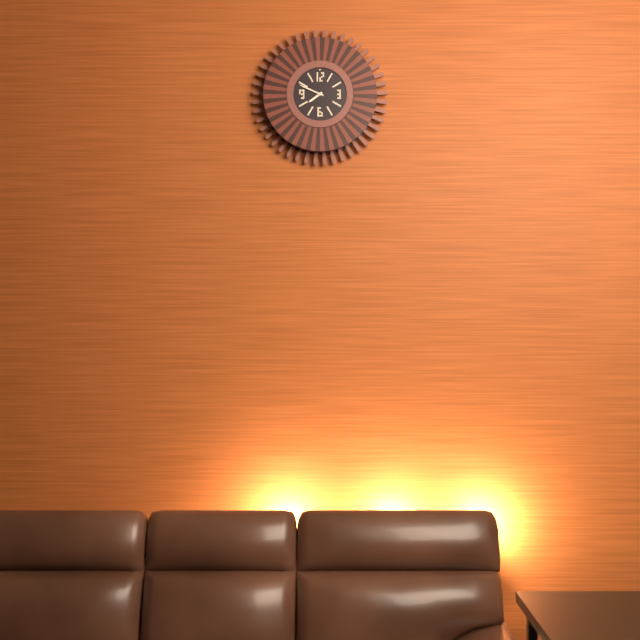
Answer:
{"hour": 7, "minute": 49}
